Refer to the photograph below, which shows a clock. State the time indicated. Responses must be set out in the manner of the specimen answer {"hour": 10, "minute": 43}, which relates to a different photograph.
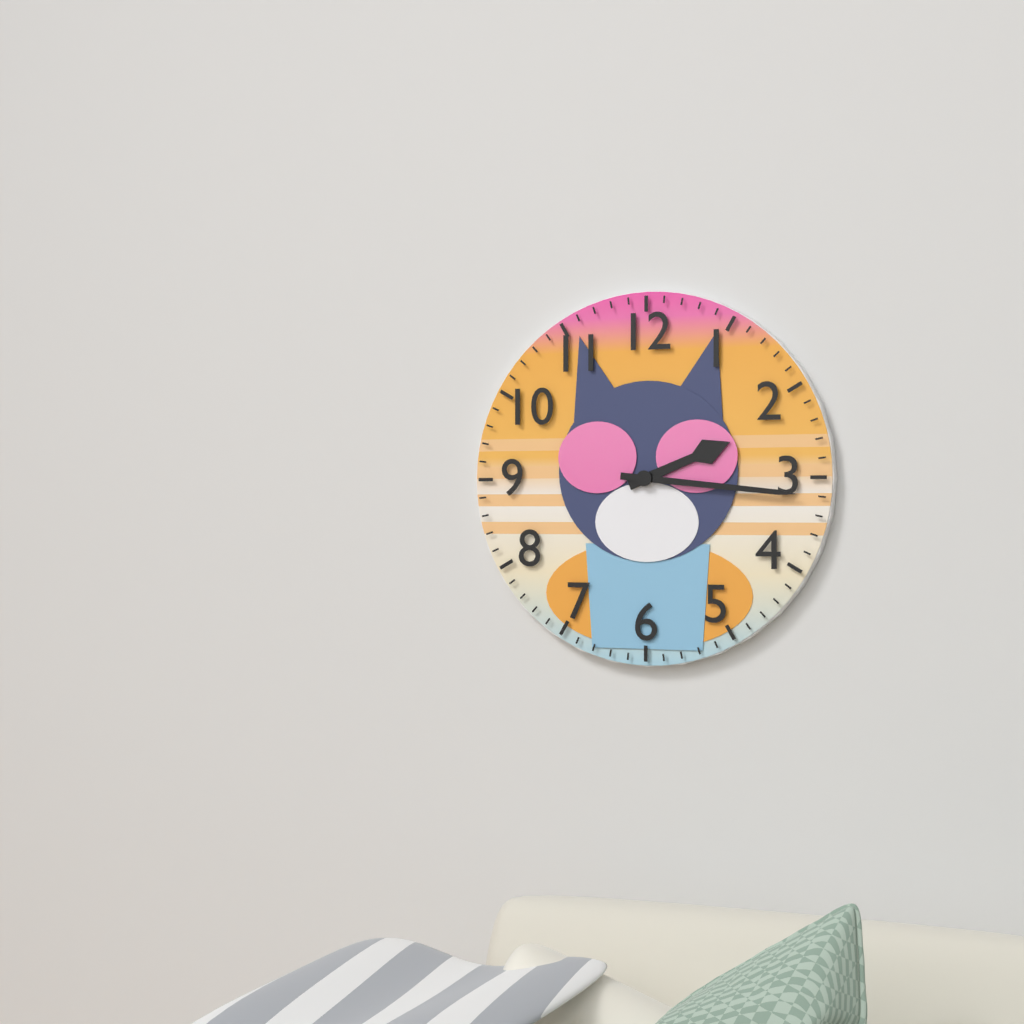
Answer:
{"hour": 2, "minute": 16}
